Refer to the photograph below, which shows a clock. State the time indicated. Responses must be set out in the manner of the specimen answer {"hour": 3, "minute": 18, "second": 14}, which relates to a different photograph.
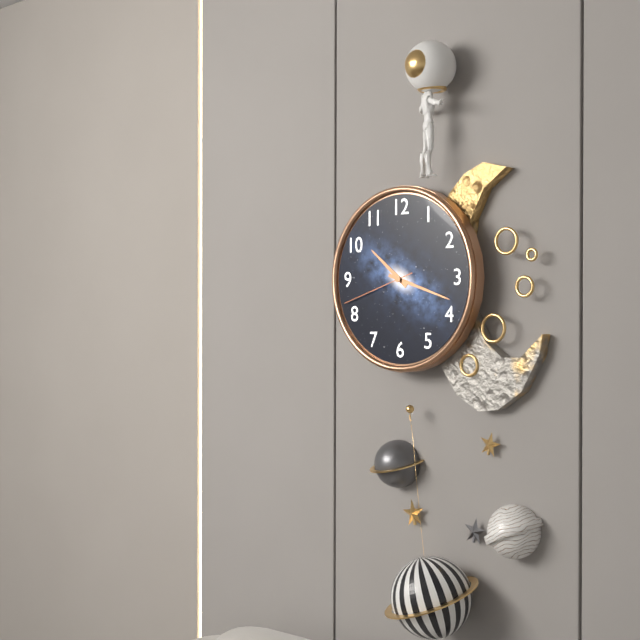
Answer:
{"hour": 10, "minute": 18, "second": 42}
